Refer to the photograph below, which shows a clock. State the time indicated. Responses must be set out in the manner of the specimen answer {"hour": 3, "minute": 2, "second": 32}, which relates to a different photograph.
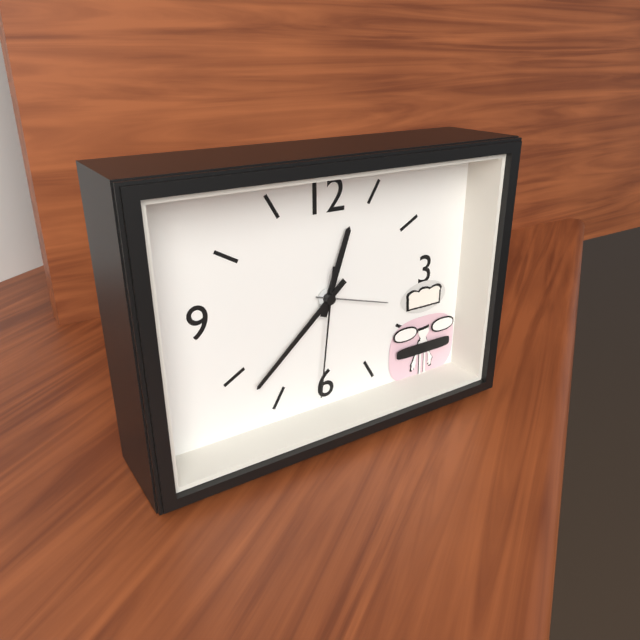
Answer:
{"hour": 12, "minute": 38, "second": 31}
